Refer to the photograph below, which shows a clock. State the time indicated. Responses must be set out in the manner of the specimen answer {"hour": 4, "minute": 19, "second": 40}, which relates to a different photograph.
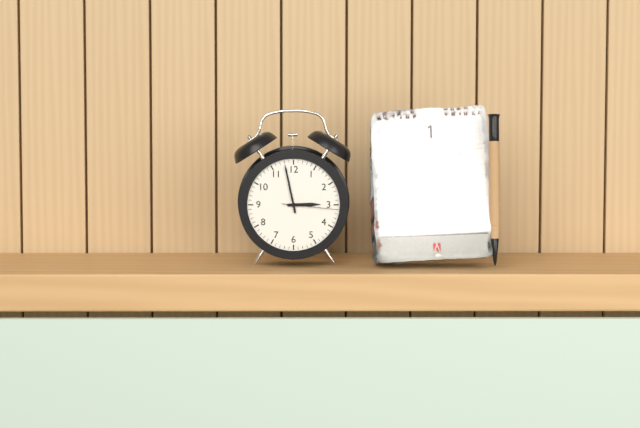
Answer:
{"hour": 2, "minute": 58, "second": 16}
